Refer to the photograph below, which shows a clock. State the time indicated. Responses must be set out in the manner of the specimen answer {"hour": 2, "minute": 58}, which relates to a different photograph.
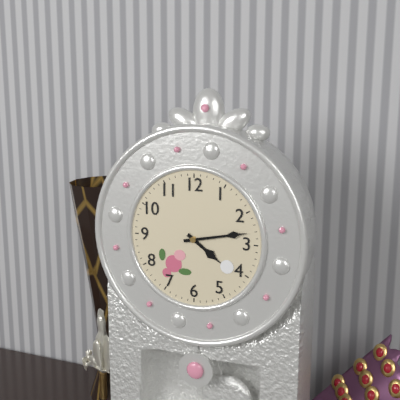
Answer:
{"hour": 4, "minute": 13}
